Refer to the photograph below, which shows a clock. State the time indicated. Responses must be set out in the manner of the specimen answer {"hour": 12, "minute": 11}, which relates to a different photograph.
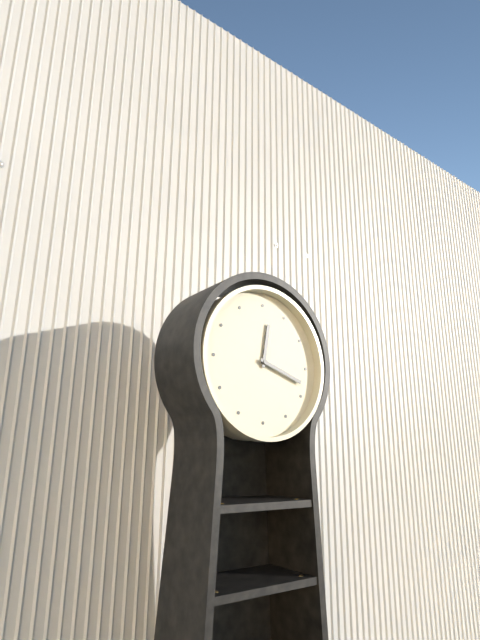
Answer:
{"hour": 12, "minute": 18}
